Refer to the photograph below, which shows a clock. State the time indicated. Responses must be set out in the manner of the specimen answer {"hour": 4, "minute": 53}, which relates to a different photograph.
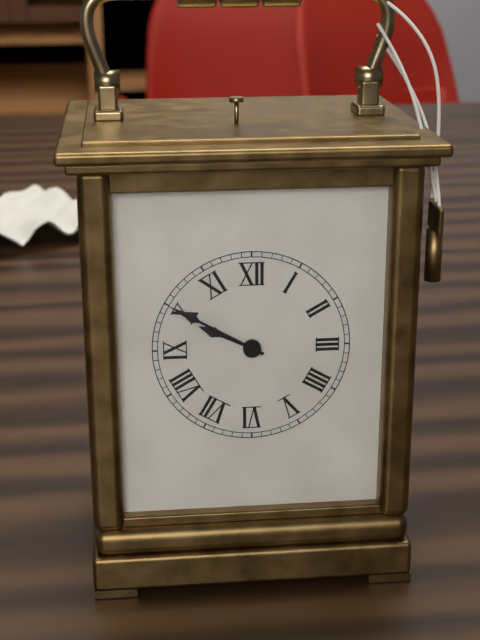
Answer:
{"hour": 9, "minute": 50}
